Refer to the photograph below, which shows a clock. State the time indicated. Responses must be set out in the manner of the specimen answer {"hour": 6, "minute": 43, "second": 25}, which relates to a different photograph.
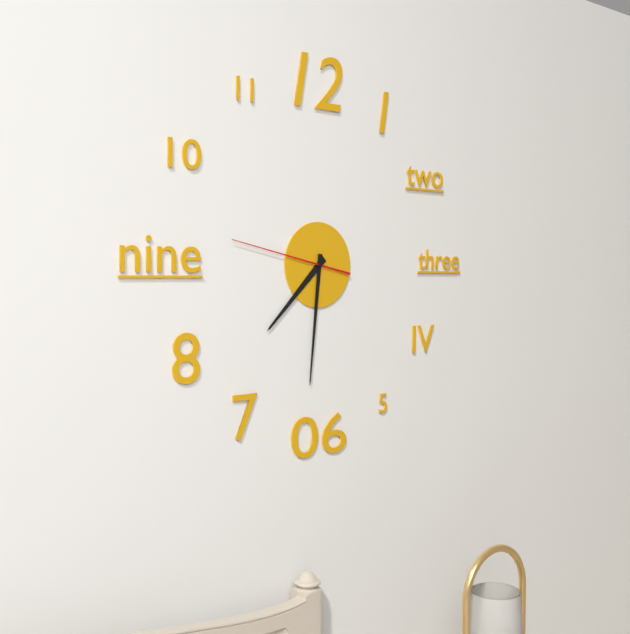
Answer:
{"hour": 7, "minute": 31, "second": 47}
